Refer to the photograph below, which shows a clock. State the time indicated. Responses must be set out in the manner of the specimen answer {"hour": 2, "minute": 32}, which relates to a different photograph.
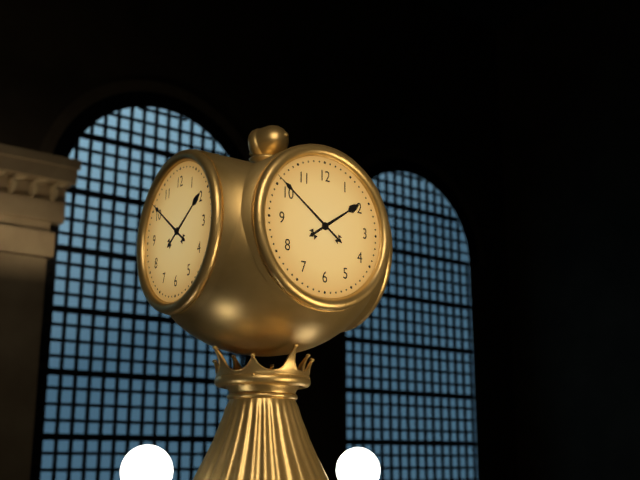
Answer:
{"hour": 1, "minute": 51}
